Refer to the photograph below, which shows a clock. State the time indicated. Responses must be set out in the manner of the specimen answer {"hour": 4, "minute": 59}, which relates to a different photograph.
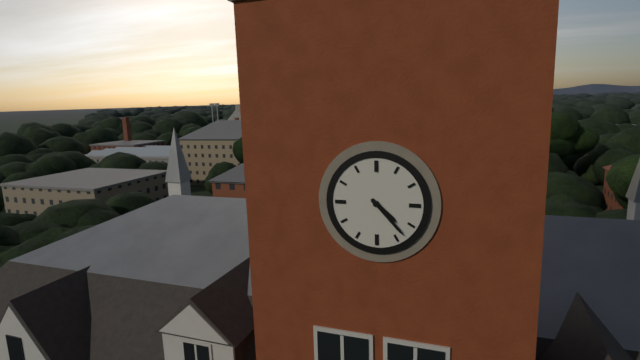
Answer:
{"hour": 4, "minute": 23}
